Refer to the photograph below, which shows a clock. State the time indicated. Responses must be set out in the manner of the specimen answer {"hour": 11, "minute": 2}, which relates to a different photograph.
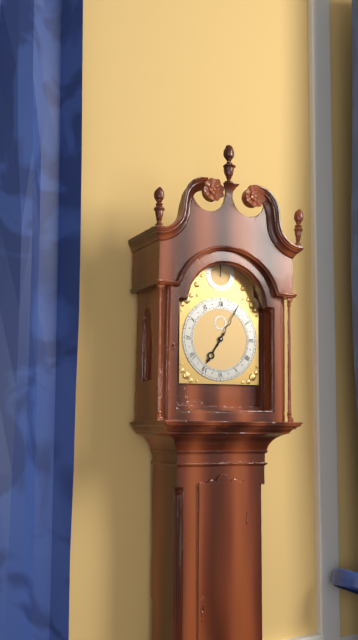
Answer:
{"hour": 7, "minute": 5}
